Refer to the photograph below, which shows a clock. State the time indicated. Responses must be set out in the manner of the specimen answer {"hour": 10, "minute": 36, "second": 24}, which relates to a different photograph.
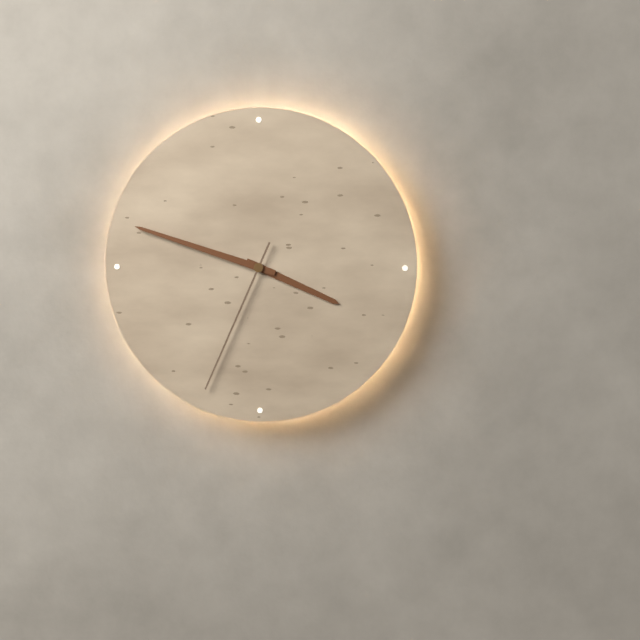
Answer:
{"hour": 3, "minute": 48, "second": 34}
